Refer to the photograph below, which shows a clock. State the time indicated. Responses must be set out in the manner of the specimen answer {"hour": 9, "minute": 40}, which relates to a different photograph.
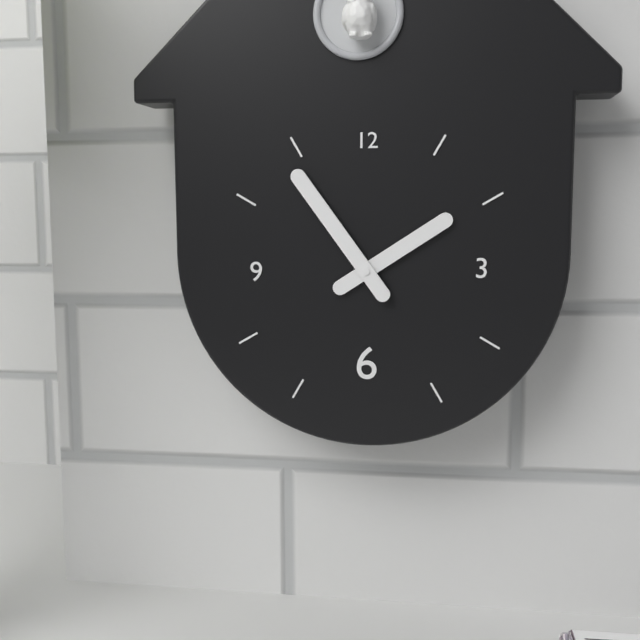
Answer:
{"hour": 1, "minute": 54}
